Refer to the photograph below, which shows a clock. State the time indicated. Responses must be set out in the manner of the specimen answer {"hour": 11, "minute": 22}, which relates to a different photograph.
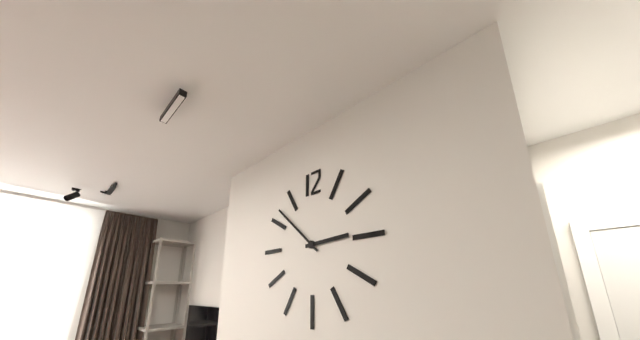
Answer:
{"hour": 2, "minute": 52}
